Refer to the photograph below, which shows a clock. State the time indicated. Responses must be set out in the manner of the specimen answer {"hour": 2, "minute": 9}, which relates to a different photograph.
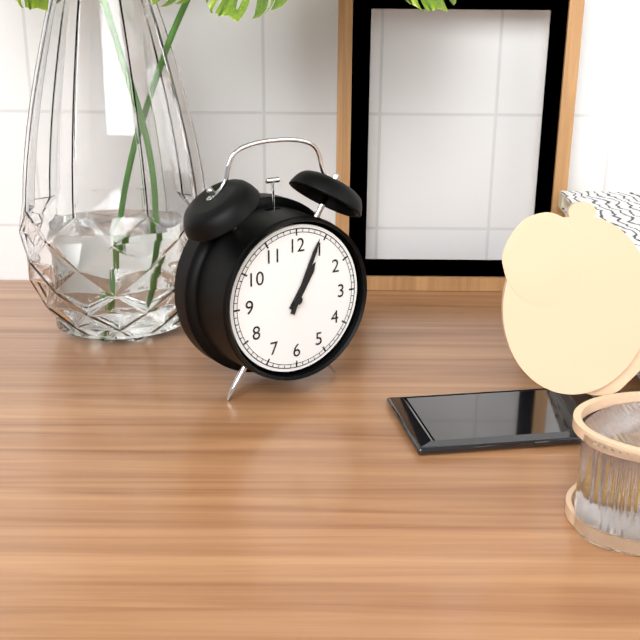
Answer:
{"hour": 1, "minute": 4}
